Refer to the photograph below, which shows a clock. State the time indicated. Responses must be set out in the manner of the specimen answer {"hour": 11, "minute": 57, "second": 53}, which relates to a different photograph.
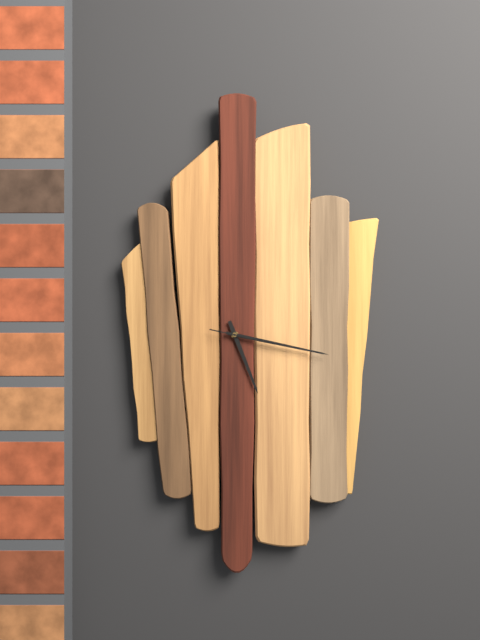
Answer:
{"hour": 5, "minute": 17, "second": 17}
